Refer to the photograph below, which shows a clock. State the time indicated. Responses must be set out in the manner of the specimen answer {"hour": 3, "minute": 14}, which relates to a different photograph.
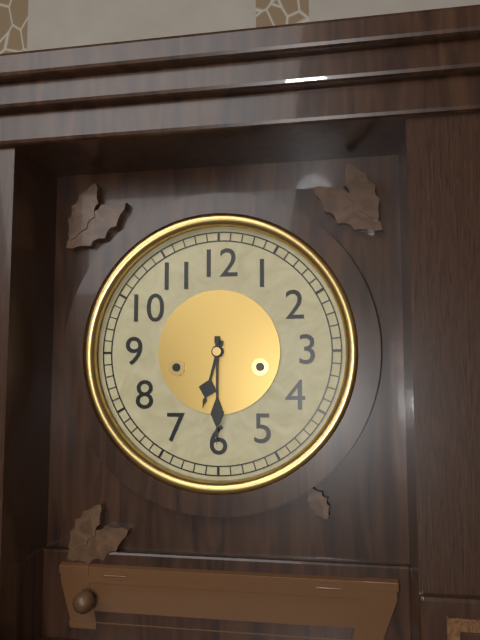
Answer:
{"hour": 6, "minute": 30}
